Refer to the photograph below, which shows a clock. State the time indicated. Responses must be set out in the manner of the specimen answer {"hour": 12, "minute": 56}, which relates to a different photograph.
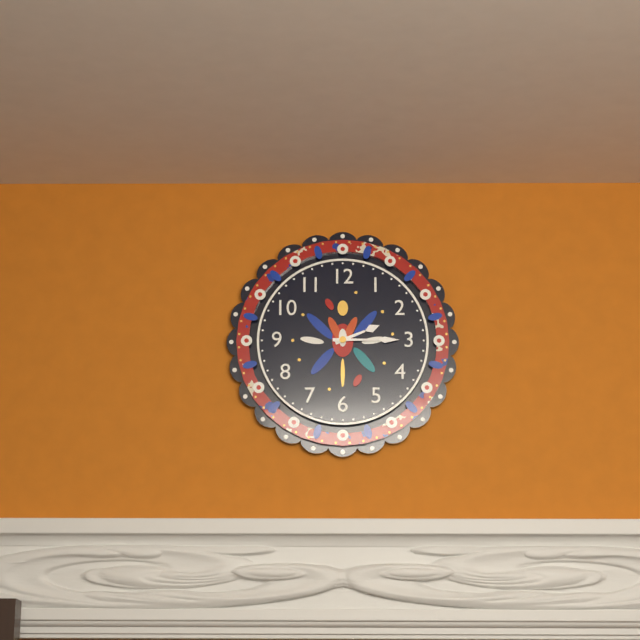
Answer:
{"hour": 2, "minute": 15}
